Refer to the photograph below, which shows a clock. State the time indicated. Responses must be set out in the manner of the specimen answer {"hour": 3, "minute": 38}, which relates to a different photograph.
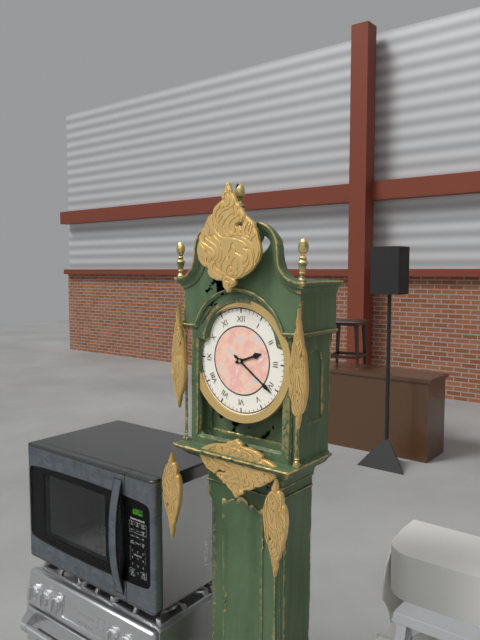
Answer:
{"hour": 2, "minute": 21}
